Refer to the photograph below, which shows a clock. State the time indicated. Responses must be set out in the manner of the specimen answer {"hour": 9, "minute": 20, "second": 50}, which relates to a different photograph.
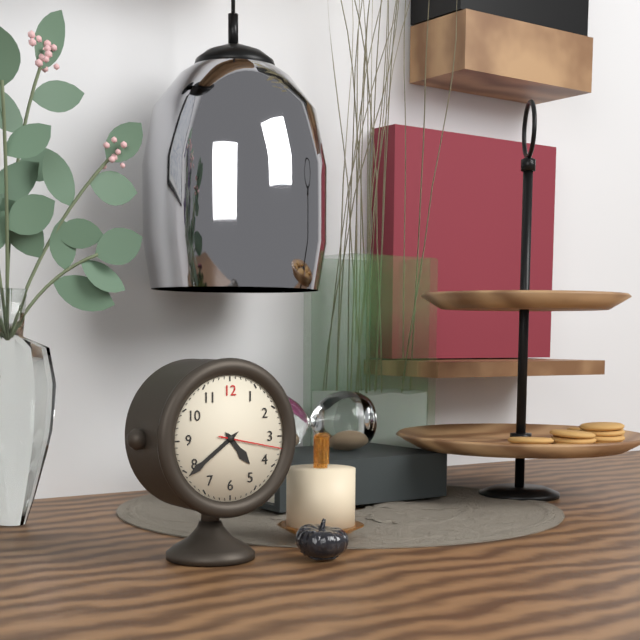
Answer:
{"hour": 4, "minute": 39, "second": 17}
